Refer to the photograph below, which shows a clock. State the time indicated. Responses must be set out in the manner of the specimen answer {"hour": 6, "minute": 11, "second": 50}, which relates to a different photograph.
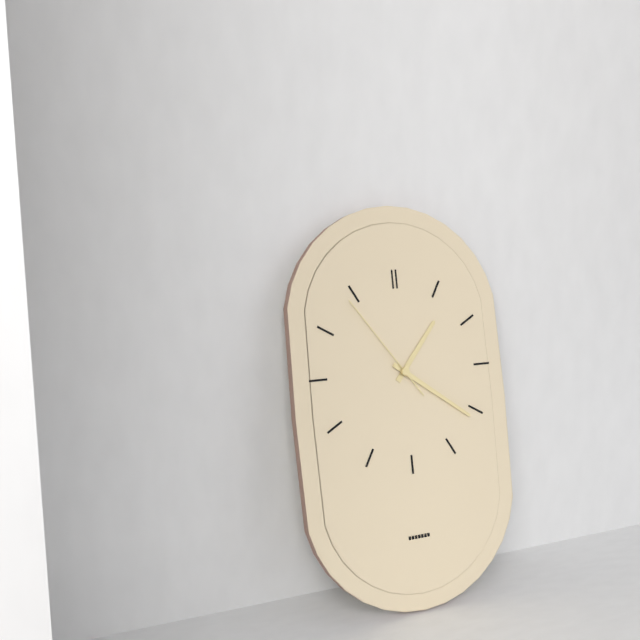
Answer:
{"hour": 1, "minute": 21, "second": 54}
